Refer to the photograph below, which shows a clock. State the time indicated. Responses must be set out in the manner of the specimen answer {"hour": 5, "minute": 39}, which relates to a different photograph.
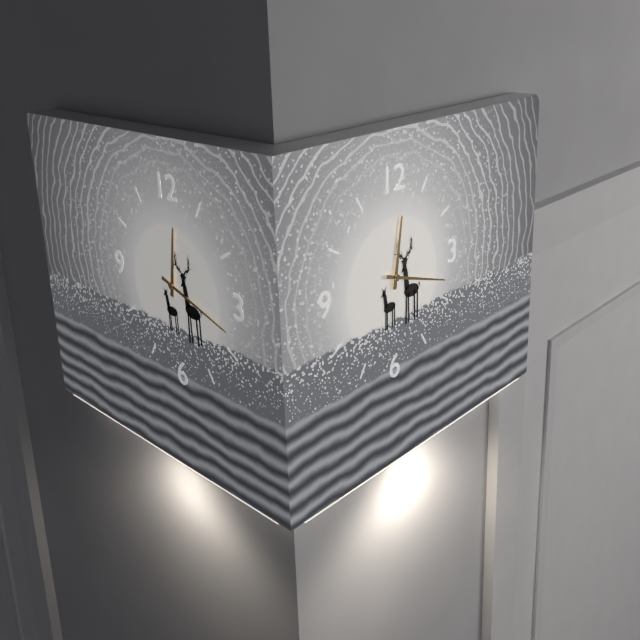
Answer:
{"hour": 12, "minute": 18}
